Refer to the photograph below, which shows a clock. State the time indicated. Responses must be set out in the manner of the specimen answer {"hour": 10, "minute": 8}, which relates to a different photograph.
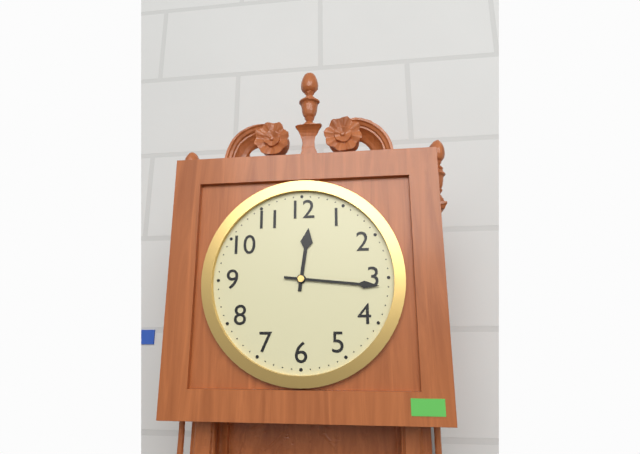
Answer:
{"hour": 12, "minute": 16}
